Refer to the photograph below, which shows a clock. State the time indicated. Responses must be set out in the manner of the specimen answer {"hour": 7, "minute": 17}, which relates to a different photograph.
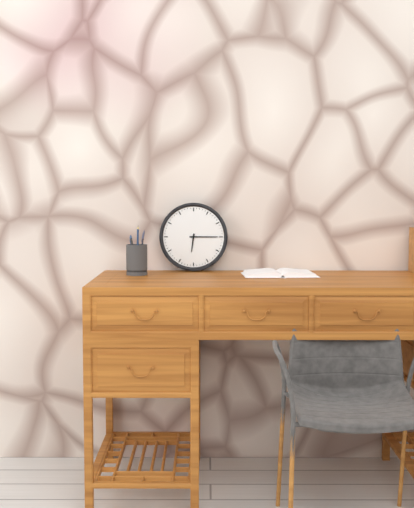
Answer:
{"hour": 6, "minute": 15}
